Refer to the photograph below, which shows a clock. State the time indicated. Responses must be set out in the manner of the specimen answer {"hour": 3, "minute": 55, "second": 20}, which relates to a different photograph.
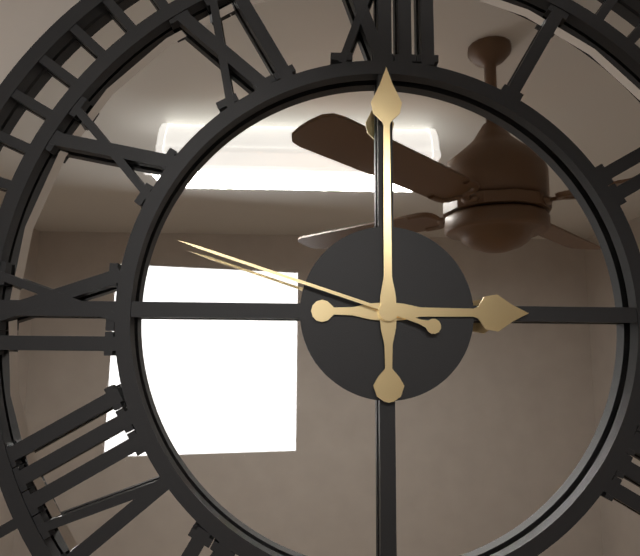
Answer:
{"hour": 3, "minute": 0, "second": 48}
